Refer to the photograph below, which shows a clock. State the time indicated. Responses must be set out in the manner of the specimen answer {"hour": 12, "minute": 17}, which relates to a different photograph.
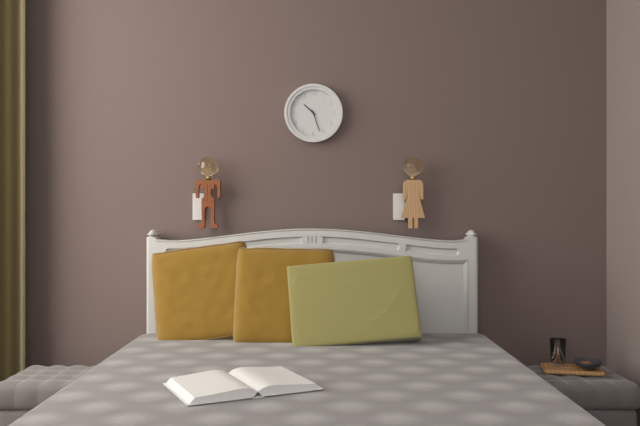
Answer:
{"hour": 10, "minute": 27}
